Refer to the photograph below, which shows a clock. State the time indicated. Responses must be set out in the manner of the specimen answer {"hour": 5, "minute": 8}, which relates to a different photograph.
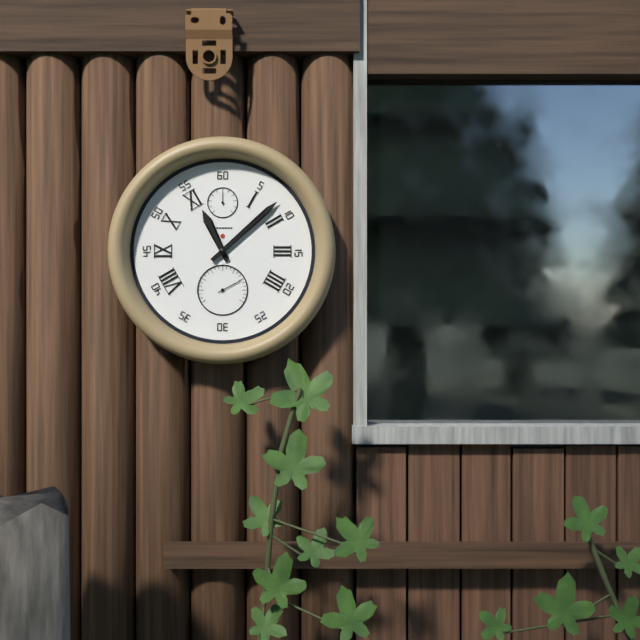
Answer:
{"hour": 11, "minute": 8}
